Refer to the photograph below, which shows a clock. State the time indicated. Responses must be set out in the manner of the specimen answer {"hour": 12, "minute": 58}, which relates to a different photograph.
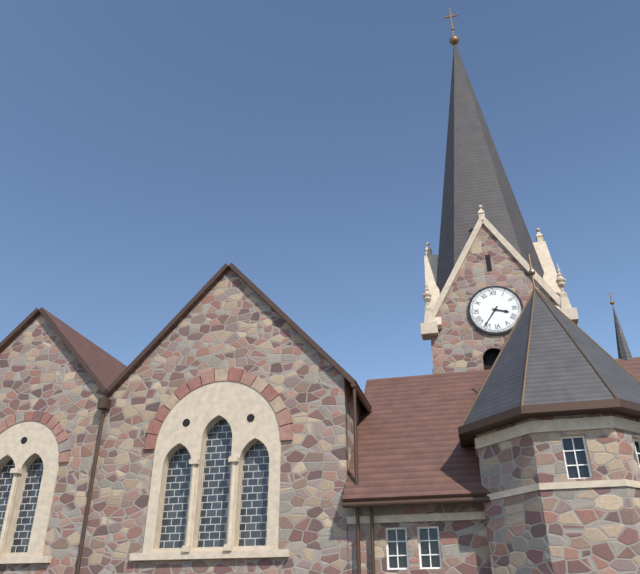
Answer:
{"hour": 3, "minute": 36}
